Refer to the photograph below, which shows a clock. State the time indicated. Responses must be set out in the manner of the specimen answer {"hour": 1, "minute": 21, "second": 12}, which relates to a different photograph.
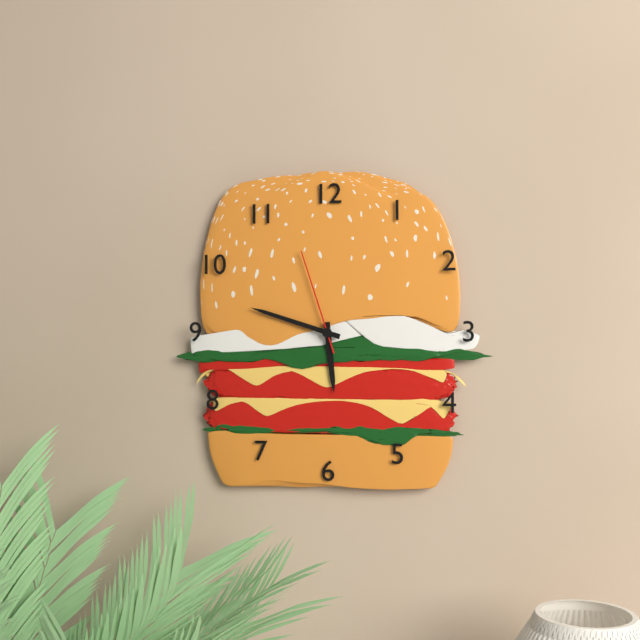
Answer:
{"hour": 5, "minute": 48, "second": 57}
